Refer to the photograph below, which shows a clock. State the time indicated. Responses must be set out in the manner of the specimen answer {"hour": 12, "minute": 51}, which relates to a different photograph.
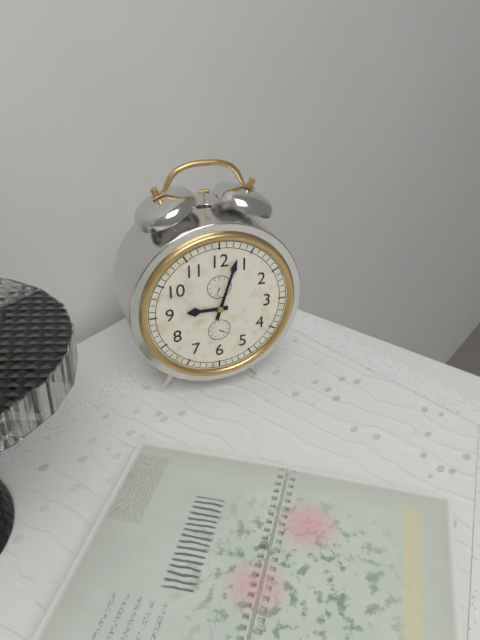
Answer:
{"hour": 9, "minute": 3}
